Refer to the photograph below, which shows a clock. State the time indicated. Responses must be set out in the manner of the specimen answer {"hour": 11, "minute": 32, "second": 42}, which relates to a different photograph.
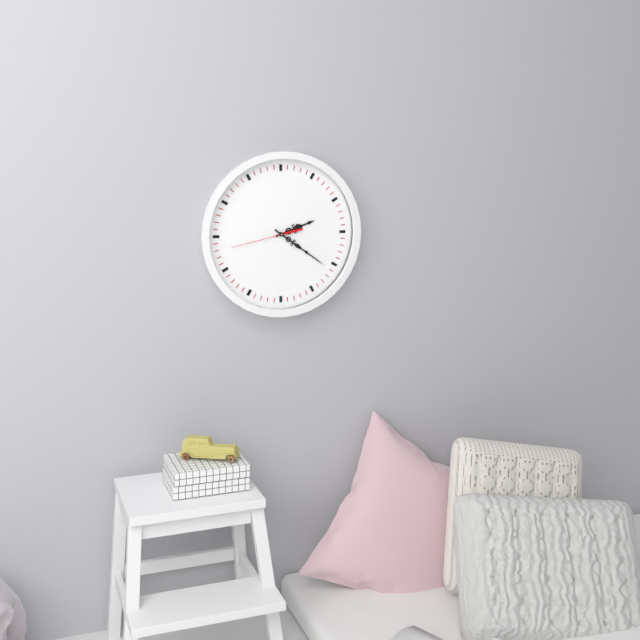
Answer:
{"hour": 2, "minute": 21, "second": 43}
